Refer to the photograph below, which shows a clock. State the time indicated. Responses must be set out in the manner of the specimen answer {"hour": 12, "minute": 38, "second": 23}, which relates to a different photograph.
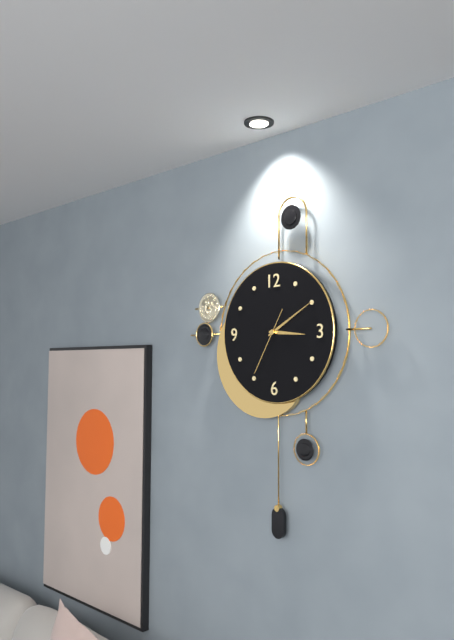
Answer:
{"hour": 3, "minute": 10, "second": 35}
